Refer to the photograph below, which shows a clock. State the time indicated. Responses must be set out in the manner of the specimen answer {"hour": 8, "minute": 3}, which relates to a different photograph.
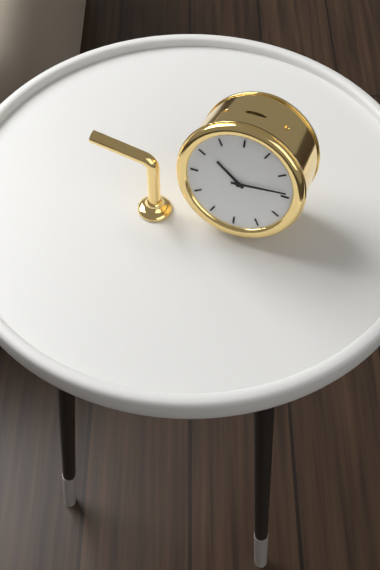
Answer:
{"hour": 10, "minute": 14}
